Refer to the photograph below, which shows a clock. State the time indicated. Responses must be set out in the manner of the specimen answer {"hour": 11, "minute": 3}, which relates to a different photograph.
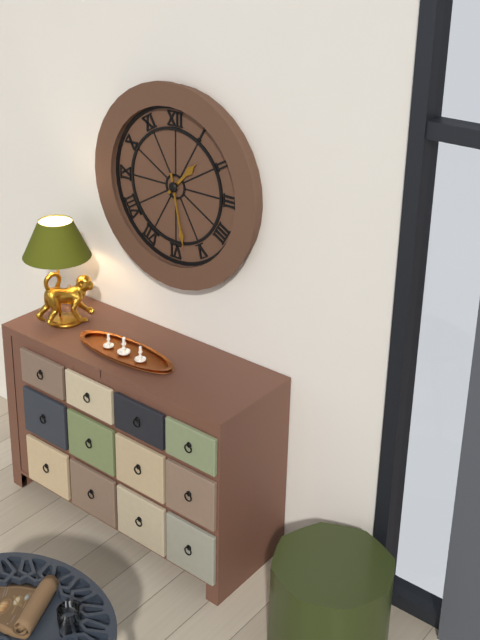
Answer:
{"hour": 1, "minute": 28}
